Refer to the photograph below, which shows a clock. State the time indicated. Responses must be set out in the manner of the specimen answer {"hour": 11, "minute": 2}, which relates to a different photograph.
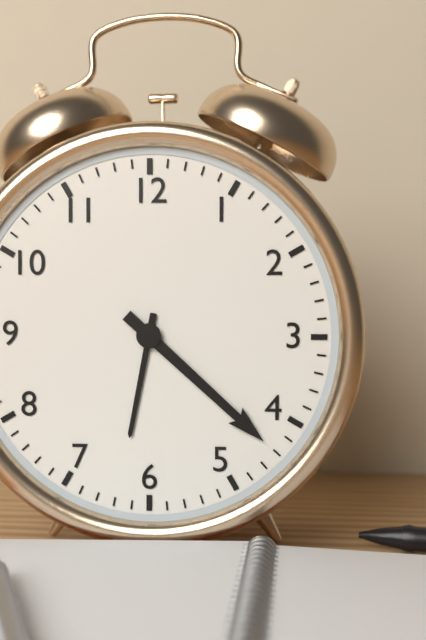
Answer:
{"hour": 6, "minute": 22}
